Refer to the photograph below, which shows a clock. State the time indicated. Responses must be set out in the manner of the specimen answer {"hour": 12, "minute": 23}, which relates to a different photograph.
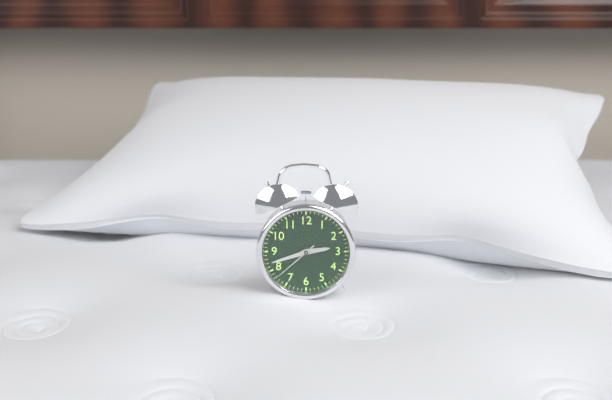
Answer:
{"hour": 2, "minute": 42}
